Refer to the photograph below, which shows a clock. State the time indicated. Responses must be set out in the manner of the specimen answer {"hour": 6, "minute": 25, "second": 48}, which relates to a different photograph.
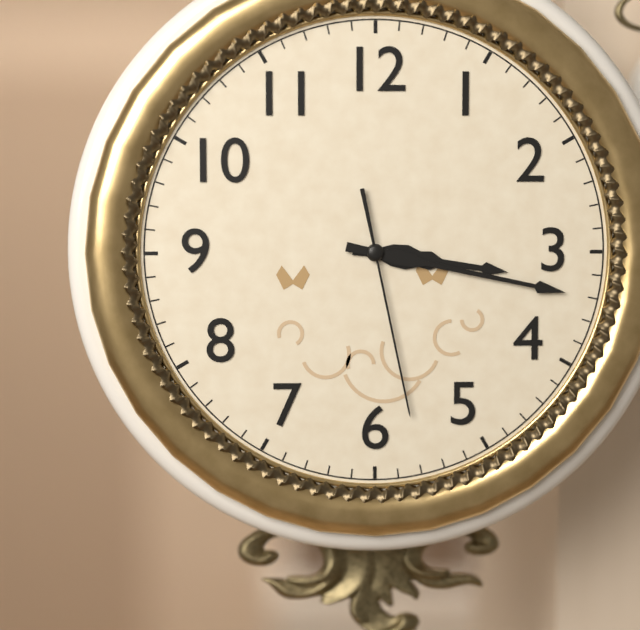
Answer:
{"hour": 3, "minute": 17, "second": 28}
